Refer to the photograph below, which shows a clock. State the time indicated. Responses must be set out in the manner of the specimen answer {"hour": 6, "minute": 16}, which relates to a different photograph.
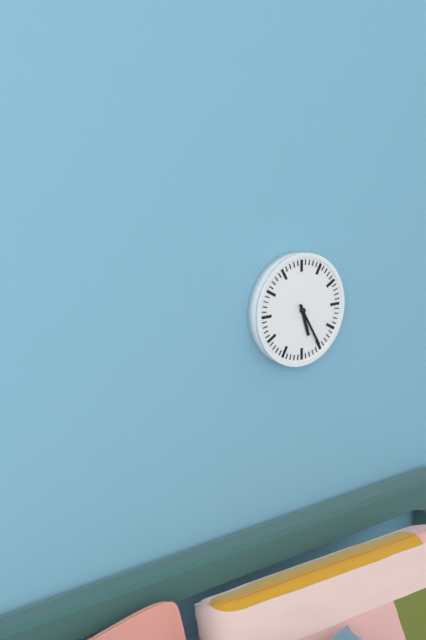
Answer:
{"hour": 5, "minute": 25}
